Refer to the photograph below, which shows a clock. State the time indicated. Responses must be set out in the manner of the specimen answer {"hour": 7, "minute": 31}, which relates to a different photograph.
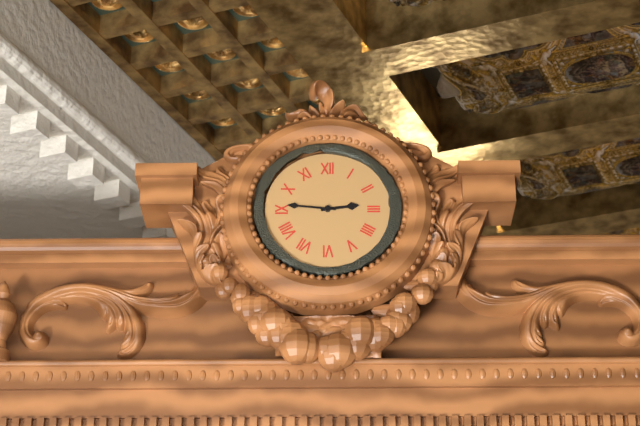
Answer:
{"hour": 2, "minute": 46}
